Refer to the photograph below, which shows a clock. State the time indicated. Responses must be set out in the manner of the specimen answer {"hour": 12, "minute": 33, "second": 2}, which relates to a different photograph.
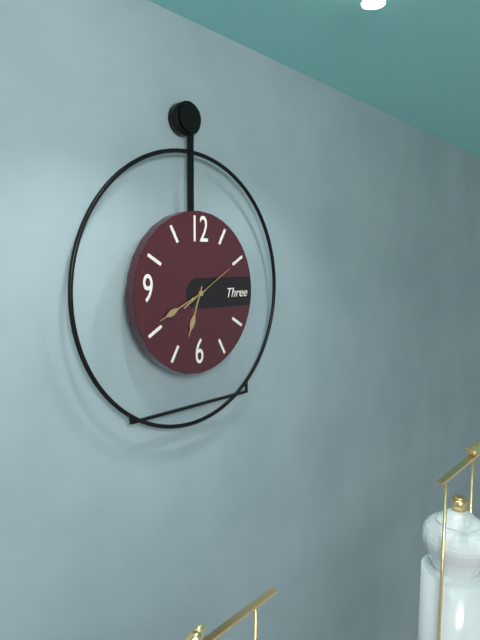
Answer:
{"hour": 6, "minute": 41, "second": 10}
